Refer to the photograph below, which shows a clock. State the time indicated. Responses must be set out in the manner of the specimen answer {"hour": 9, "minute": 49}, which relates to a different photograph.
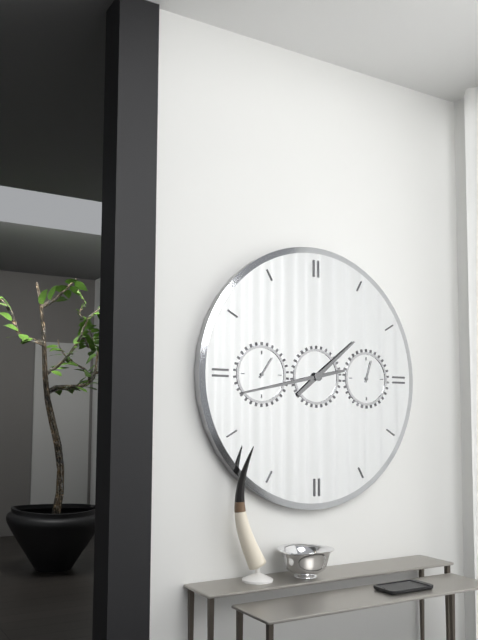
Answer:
{"hour": 1, "minute": 43}
